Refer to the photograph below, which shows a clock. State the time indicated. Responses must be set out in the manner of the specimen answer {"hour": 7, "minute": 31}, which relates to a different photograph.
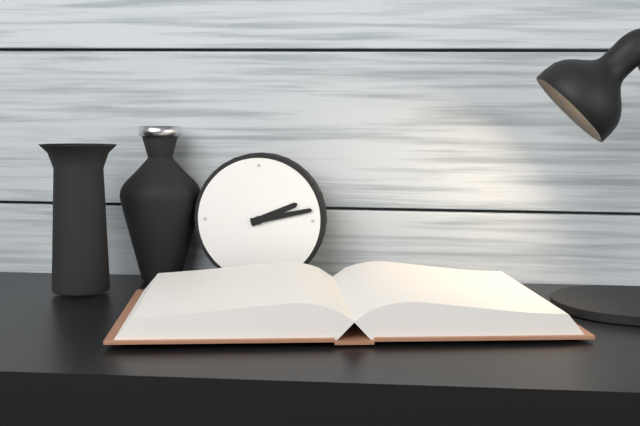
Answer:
{"hour": 2, "minute": 13}
